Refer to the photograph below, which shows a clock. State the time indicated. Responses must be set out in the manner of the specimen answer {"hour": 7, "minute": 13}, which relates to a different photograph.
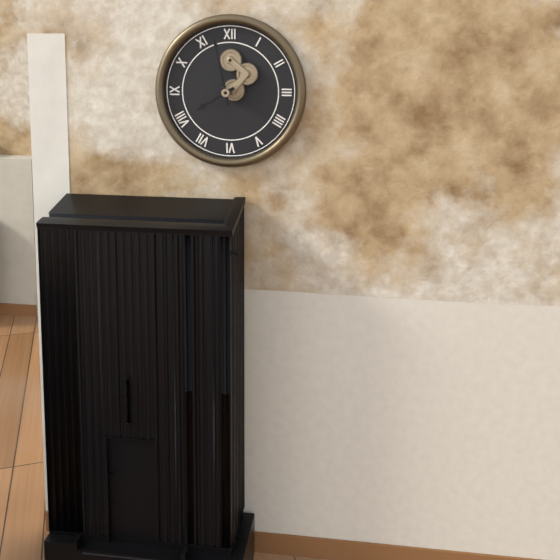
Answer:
{"hour": 7, "minute": 58}
